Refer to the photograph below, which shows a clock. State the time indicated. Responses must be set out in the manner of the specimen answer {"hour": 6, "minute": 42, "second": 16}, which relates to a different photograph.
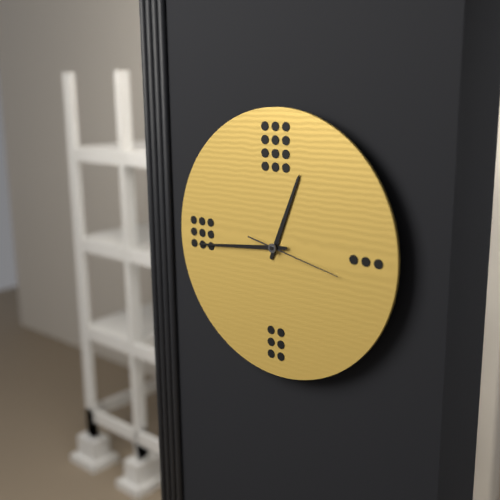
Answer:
{"hour": 12, "minute": 44, "second": 17}
